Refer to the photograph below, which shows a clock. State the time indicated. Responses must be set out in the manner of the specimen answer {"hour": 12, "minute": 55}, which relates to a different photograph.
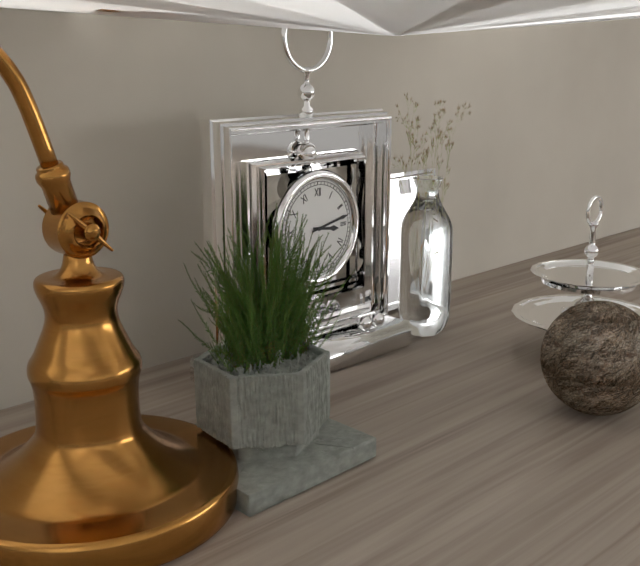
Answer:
{"hour": 3, "minute": 13}
